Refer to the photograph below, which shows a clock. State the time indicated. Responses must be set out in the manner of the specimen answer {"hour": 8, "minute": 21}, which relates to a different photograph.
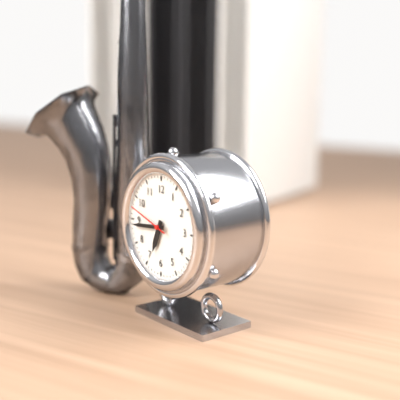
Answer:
{"hour": 6, "minute": 44}
